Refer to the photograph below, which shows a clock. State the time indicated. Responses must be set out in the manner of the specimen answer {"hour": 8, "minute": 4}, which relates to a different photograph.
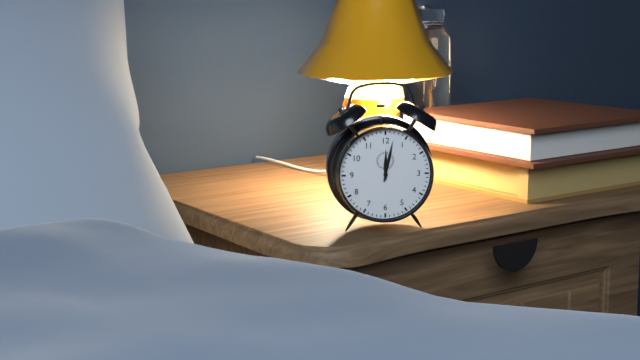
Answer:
{"hour": 12, "minute": 2}
